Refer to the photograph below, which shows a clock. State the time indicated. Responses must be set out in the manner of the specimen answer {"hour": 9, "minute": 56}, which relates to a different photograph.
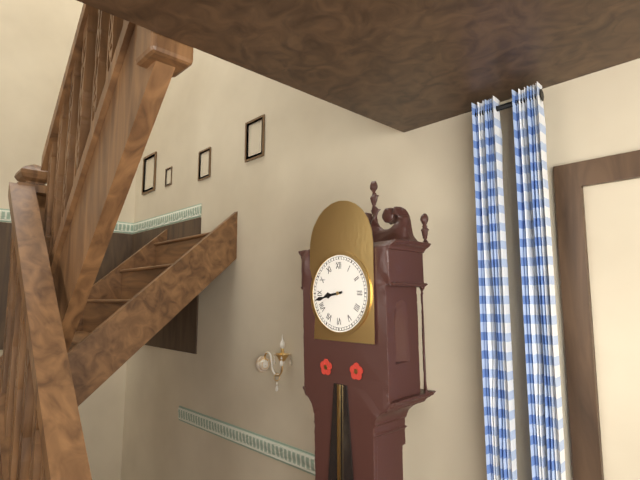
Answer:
{"hour": 8, "minute": 43}
